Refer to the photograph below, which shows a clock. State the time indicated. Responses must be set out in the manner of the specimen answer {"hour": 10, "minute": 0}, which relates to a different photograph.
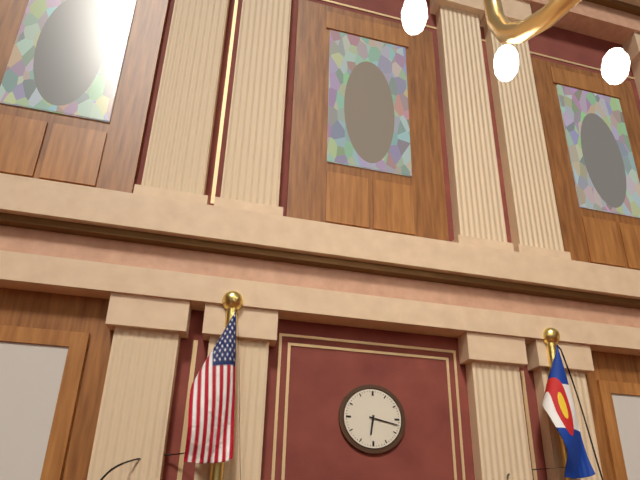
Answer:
{"hour": 6, "minute": 17}
